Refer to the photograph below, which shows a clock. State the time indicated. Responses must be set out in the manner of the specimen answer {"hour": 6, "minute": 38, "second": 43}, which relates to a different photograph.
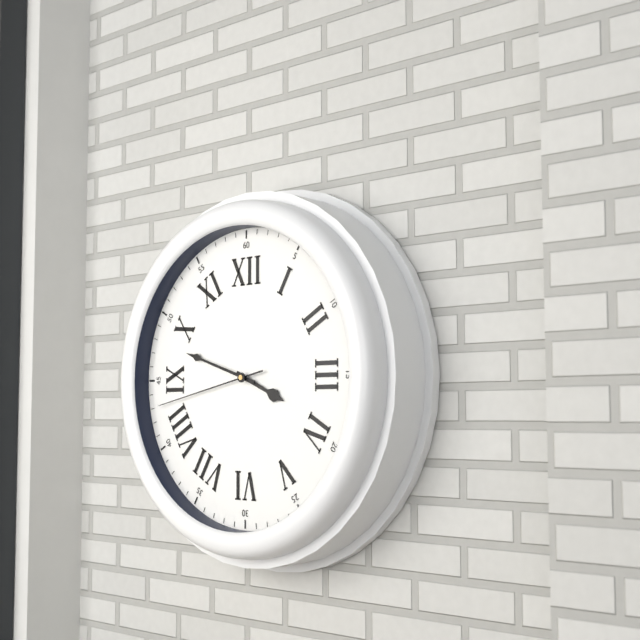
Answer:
{"hour": 3, "minute": 48, "second": 43}
